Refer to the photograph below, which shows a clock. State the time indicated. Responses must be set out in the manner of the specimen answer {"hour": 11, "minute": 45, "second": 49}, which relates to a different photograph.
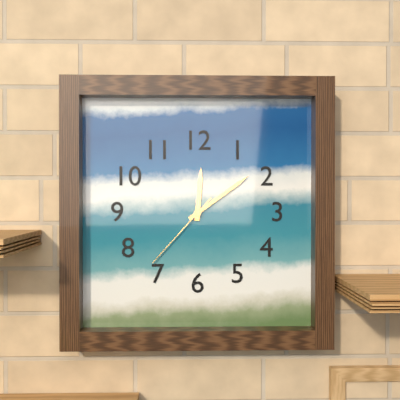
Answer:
{"hour": 12, "minute": 9, "second": 37}
